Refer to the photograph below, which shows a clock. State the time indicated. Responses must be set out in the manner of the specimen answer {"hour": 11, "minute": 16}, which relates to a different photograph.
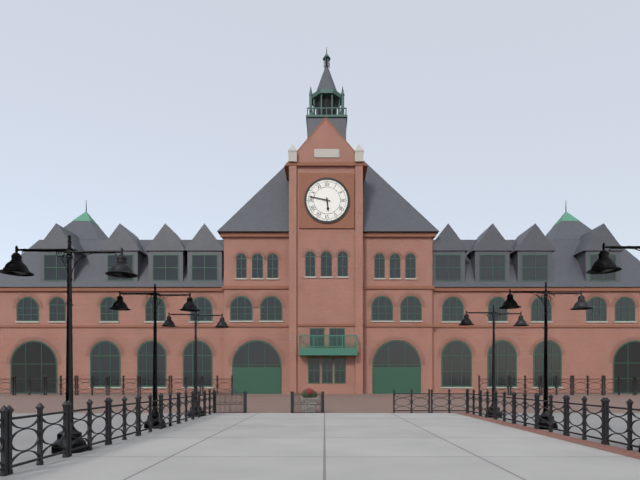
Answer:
{"hour": 5, "minute": 47}
